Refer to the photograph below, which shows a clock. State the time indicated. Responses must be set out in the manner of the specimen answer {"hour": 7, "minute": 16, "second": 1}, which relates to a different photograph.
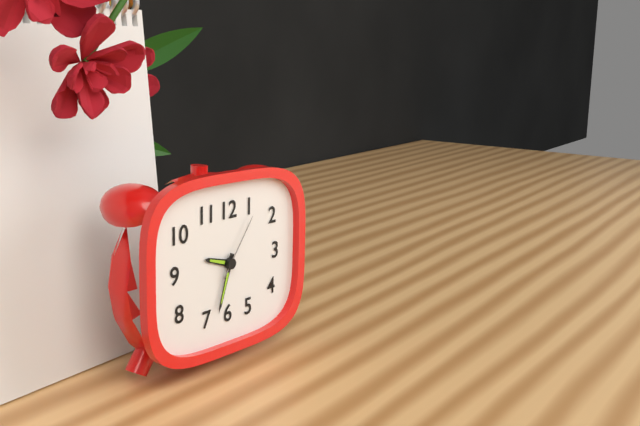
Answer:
{"hour": 9, "minute": 33, "second": 6}
